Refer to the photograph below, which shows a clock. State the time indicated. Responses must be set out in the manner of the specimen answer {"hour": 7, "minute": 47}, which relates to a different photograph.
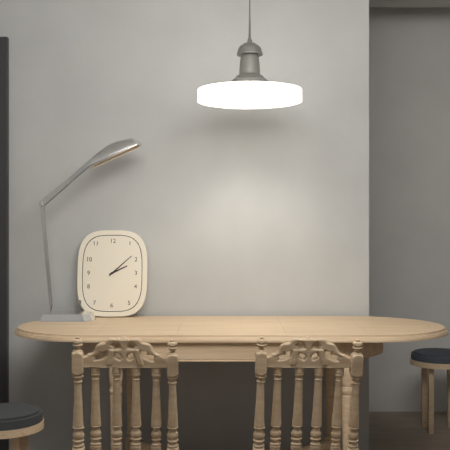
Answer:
{"hour": 2, "minute": 8}
